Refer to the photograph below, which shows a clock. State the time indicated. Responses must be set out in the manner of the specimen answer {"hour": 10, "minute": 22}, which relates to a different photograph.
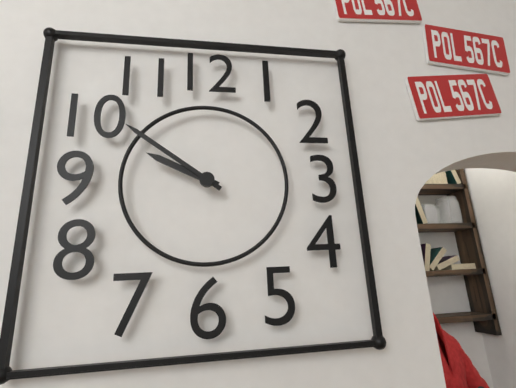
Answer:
{"hour": 9, "minute": 51}
